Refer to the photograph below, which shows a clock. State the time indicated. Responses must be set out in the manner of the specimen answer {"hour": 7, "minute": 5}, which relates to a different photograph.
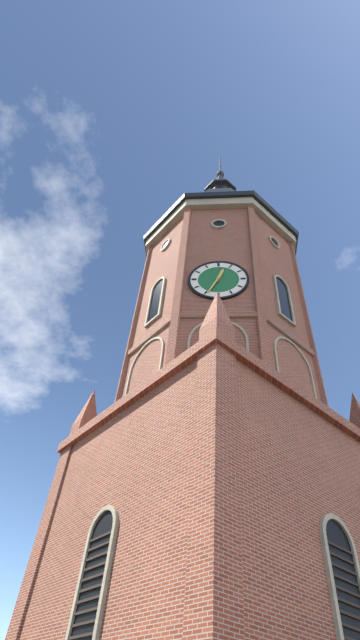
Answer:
{"hour": 12, "minute": 34}
